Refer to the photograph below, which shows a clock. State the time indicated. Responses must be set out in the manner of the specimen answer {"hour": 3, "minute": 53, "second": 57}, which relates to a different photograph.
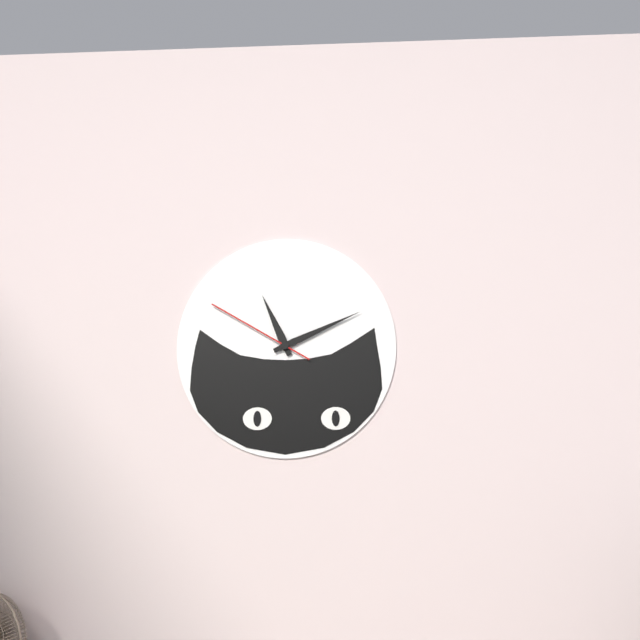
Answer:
{"hour": 11, "minute": 11, "second": 50}
